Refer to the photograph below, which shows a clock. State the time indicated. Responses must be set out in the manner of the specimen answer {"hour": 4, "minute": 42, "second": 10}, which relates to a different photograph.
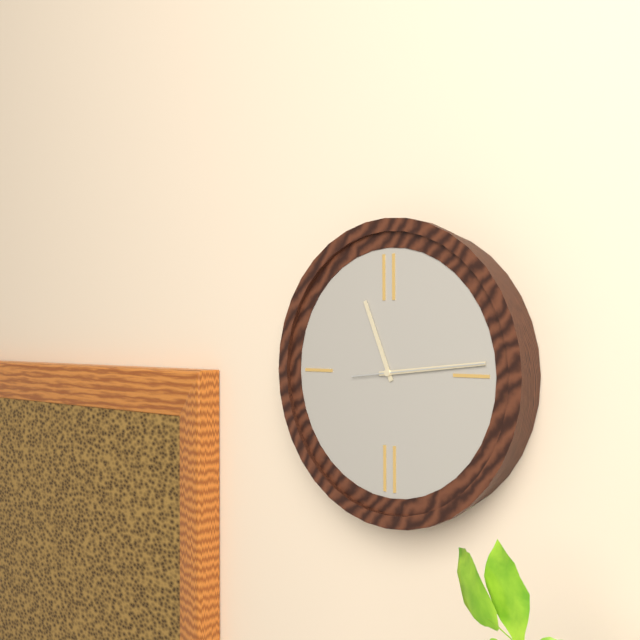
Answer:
{"hour": 11, "minute": 14, "second": 14}
